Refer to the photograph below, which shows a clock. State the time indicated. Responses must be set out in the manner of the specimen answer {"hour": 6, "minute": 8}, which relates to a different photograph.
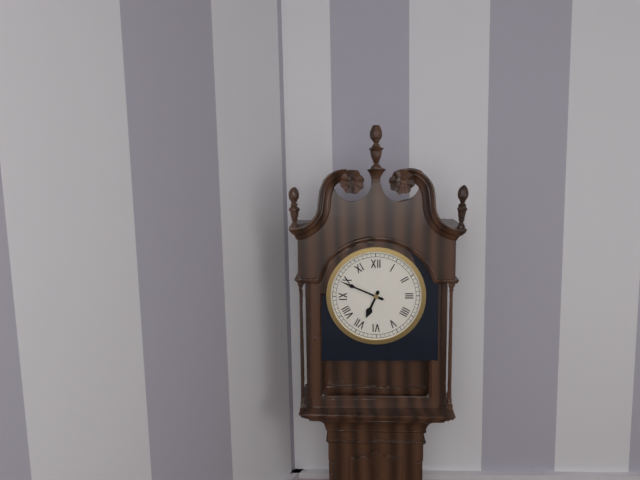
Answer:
{"hour": 6, "minute": 49}
